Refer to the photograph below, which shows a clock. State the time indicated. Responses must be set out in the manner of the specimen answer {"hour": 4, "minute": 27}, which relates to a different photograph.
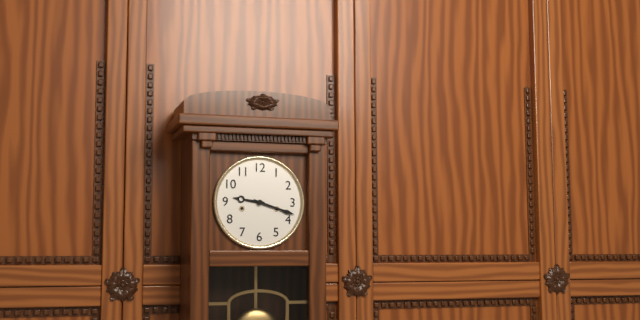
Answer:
{"hour": 9, "minute": 18}
